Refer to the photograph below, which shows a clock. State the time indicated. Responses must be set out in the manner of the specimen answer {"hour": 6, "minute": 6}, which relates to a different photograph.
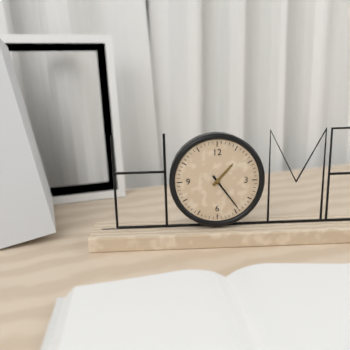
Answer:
{"hour": 1, "minute": 24}
